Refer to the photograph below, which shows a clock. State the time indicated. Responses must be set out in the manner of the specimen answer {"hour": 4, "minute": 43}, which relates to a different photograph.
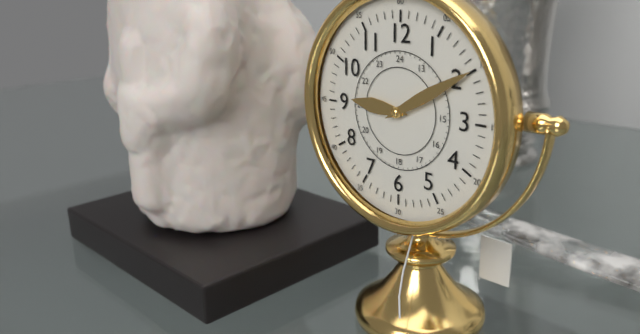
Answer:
{"hour": 9, "minute": 10}
